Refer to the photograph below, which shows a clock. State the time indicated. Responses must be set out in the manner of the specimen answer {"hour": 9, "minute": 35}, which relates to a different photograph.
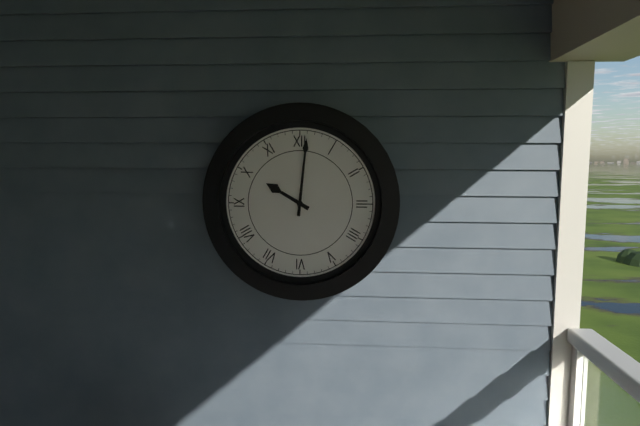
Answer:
{"hour": 10, "minute": 1}
